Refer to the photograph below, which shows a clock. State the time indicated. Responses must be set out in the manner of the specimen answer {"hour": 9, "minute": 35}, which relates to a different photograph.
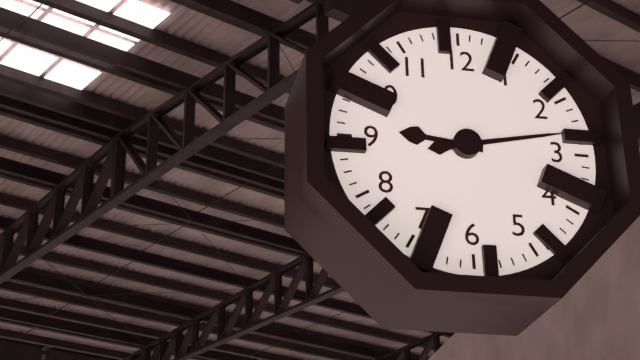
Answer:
{"hour": 9, "minute": 13}
